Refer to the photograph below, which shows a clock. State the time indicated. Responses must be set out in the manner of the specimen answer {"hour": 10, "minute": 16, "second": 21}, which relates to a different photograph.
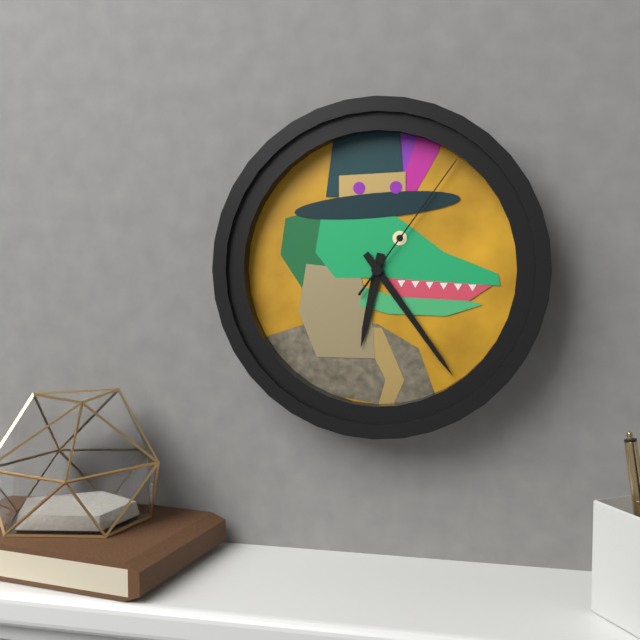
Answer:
{"hour": 6, "minute": 24, "second": 6}
